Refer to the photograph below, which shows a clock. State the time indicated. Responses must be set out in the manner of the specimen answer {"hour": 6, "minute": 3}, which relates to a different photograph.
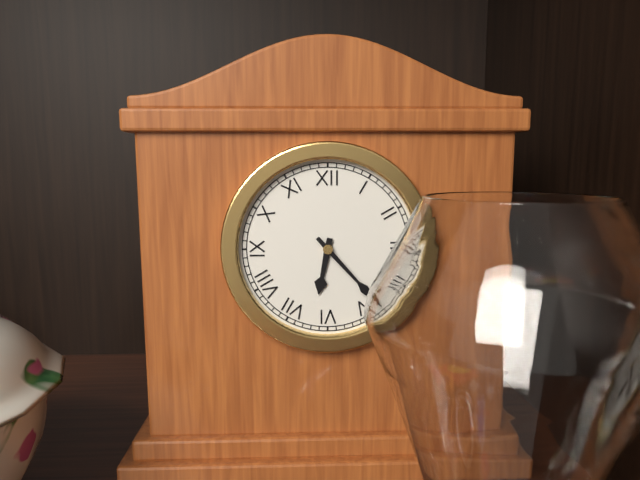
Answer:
{"hour": 6, "minute": 23}
